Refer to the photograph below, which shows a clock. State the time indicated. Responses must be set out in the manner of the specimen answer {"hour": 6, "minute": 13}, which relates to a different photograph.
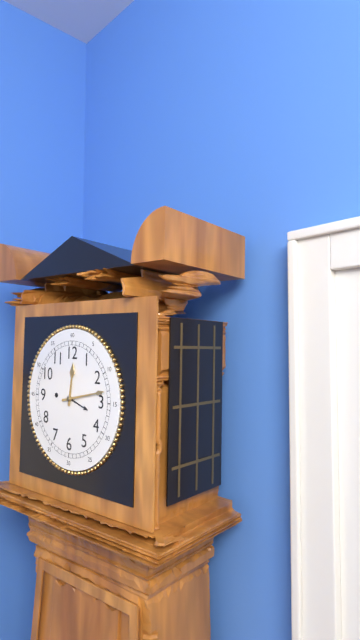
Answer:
{"hour": 12, "minute": 13}
